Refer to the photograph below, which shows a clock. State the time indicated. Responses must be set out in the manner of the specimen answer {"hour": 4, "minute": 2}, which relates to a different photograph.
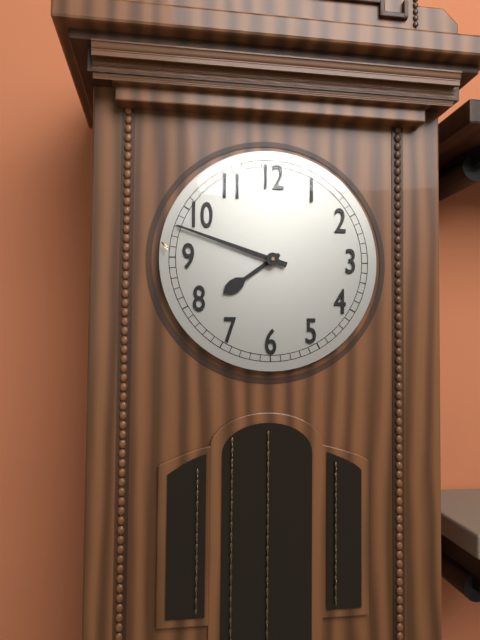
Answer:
{"hour": 7, "minute": 48}
